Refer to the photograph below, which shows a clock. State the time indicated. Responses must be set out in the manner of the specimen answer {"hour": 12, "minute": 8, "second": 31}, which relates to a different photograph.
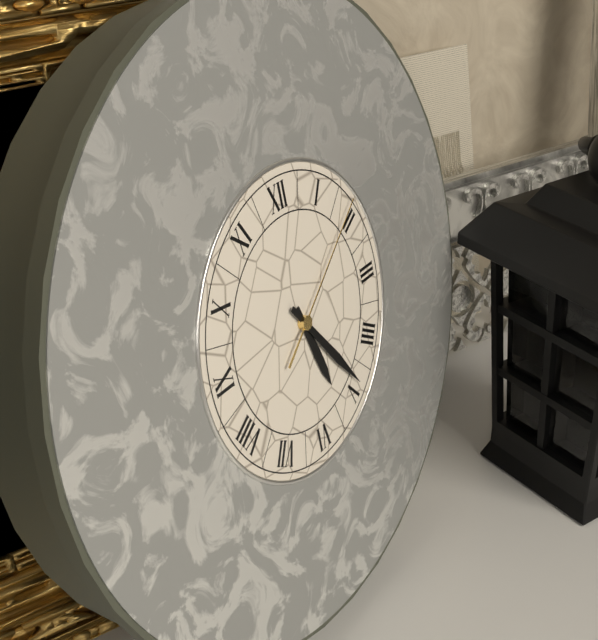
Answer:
{"hour": 5, "minute": 24, "second": 9}
